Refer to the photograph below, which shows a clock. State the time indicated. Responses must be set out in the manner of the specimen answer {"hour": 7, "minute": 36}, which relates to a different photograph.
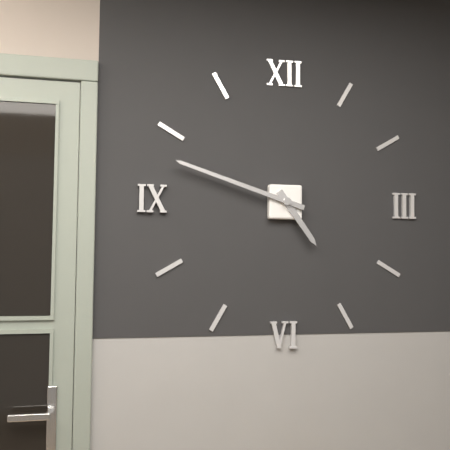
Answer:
{"hour": 4, "minute": 48}
